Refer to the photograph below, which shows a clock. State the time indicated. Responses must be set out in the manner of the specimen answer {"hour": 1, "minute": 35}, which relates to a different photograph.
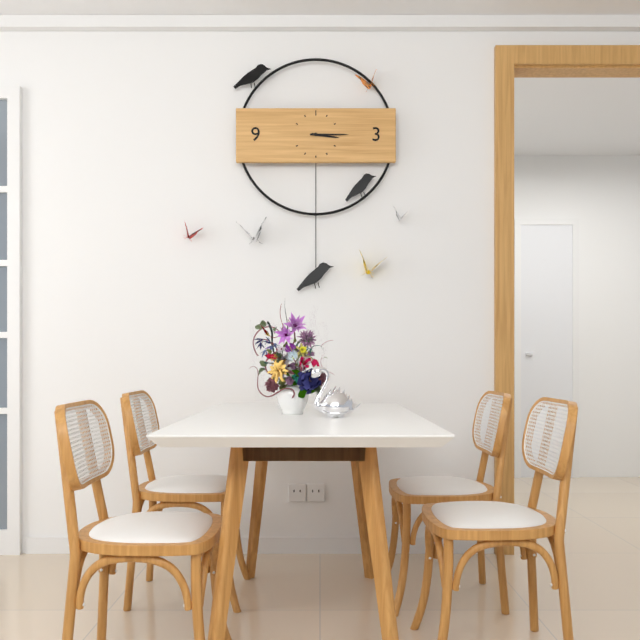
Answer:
{"hour": 3, "minute": 15}
